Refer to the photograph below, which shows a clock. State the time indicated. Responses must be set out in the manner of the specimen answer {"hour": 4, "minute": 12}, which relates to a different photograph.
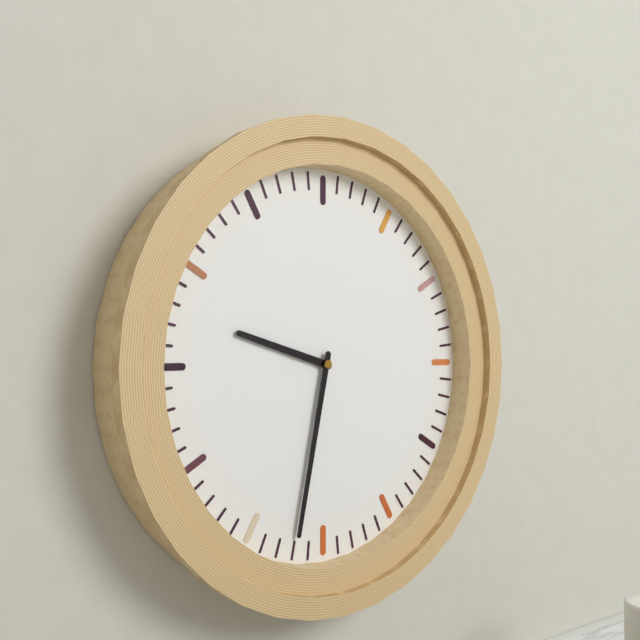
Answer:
{"hour": 9, "minute": 32}
